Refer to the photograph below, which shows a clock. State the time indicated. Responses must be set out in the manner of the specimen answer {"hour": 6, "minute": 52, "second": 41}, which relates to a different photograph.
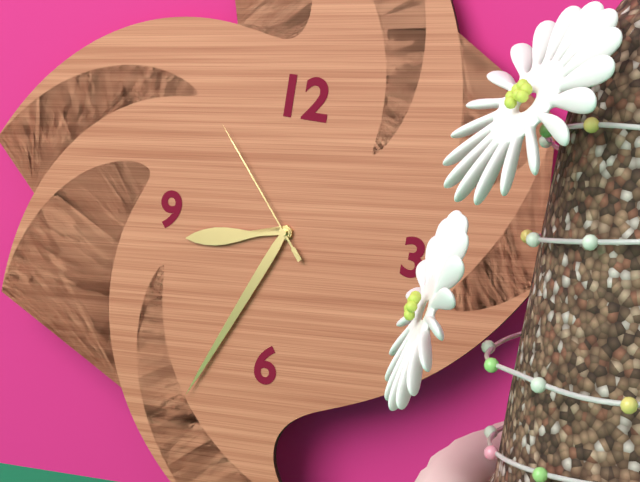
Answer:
{"hour": 8, "minute": 34, "second": 53}
